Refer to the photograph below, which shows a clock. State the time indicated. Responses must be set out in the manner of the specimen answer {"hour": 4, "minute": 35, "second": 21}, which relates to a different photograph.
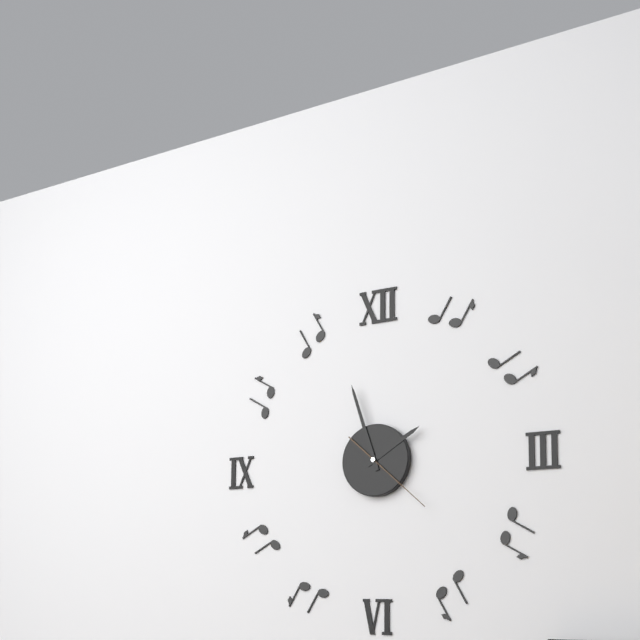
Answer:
{"hour": 1, "minute": 57, "second": 22}
